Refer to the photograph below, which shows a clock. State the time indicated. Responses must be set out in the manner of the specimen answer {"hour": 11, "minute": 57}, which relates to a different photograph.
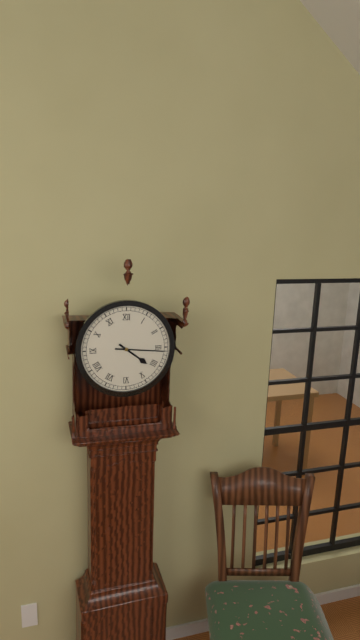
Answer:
{"hour": 4, "minute": 16}
